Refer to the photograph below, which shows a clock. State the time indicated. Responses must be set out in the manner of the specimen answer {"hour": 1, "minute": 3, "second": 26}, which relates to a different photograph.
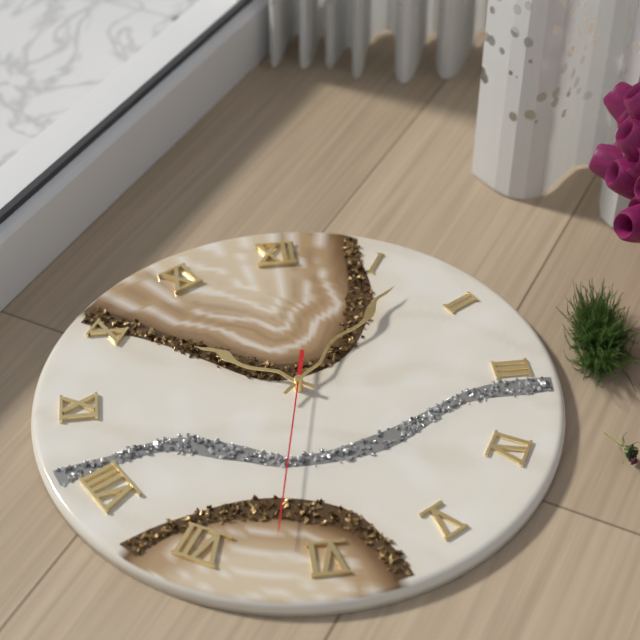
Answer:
{"hour": 10, "minute": 7, "second": 32}
